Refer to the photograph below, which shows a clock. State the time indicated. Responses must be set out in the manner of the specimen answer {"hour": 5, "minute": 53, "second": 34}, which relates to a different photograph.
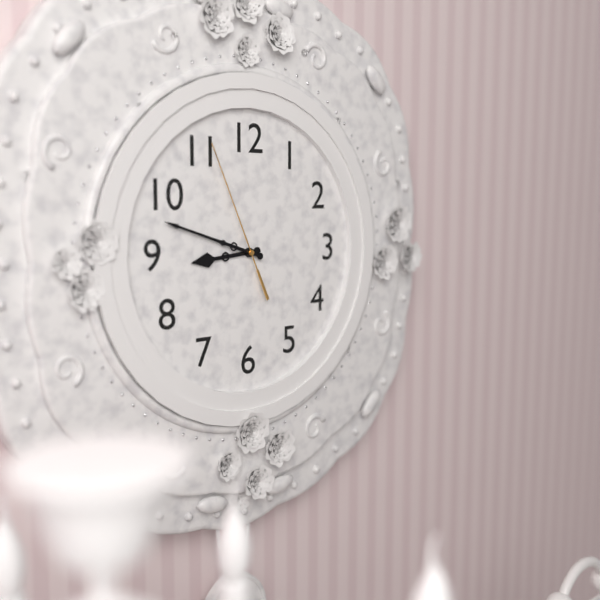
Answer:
{"hour": 8, "minute": 48, "second": 56}
